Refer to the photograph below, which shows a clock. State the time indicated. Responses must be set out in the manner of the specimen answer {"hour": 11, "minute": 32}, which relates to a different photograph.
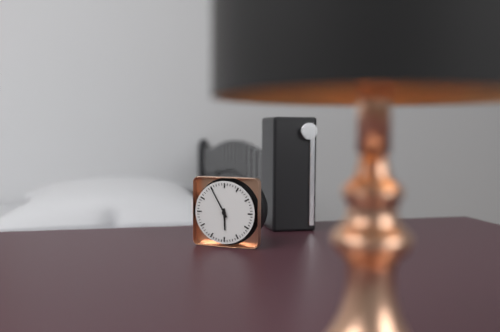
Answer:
{"hour": 5, "minute": 55}
